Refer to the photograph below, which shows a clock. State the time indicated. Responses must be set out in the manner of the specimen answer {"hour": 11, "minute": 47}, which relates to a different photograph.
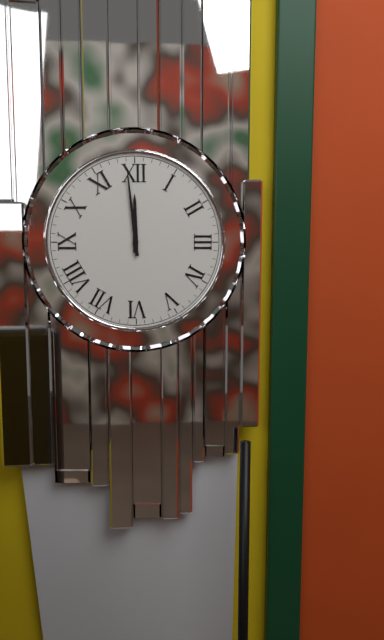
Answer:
{"hour": 11, "minute": 59}
